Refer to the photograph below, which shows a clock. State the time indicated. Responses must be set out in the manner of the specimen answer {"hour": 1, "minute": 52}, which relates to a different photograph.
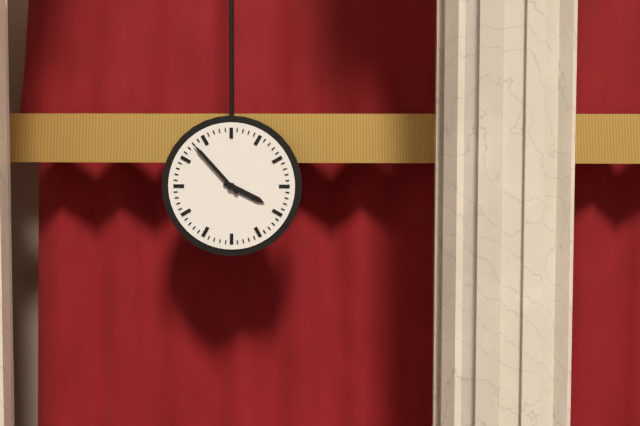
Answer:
{"hour": 3, "minute": 53}
